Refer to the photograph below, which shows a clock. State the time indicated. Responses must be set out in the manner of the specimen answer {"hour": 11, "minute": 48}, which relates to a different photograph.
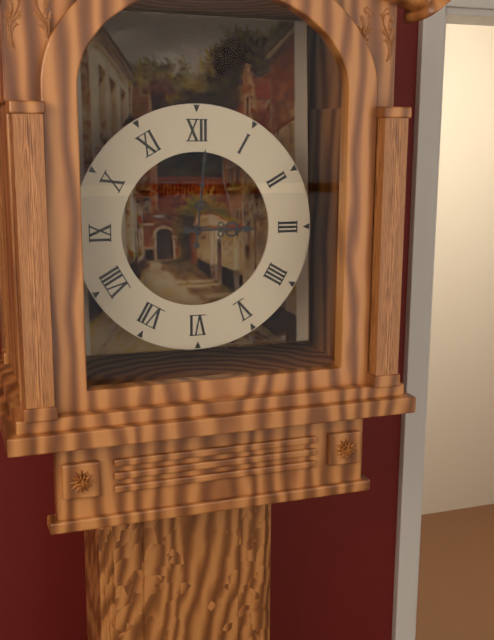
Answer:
{"hour": 3, "minute": 1}
